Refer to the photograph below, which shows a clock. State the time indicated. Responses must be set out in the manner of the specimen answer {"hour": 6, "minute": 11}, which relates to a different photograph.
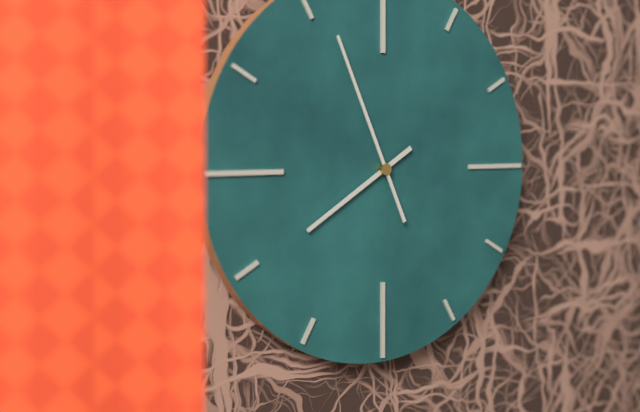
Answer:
{"hour": 7, "minute": 56}
